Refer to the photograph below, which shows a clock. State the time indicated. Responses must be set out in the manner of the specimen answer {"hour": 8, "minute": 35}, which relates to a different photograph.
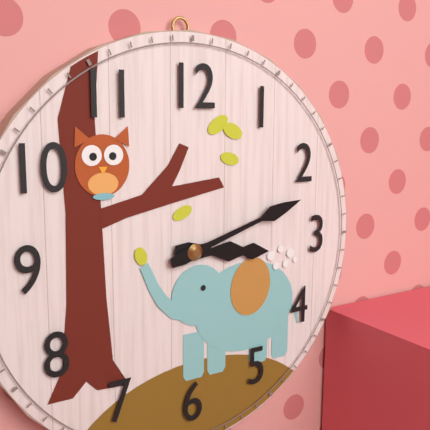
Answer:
{"hour": 3, "minute": 12}
